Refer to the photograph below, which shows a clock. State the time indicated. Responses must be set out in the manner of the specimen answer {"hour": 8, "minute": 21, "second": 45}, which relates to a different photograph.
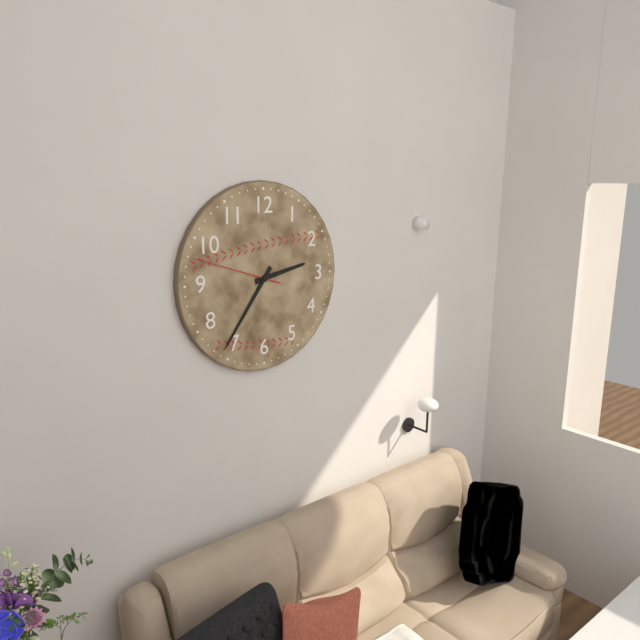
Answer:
{"hour": 2, "minute": 36, "second": 48}
